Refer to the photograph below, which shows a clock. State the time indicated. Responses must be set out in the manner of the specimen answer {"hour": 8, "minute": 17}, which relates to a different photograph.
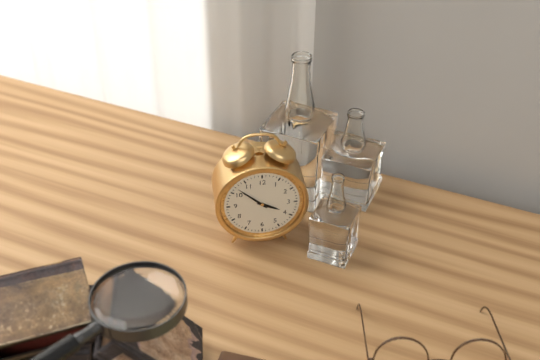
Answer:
{"hour": 3, "minute": 52}
